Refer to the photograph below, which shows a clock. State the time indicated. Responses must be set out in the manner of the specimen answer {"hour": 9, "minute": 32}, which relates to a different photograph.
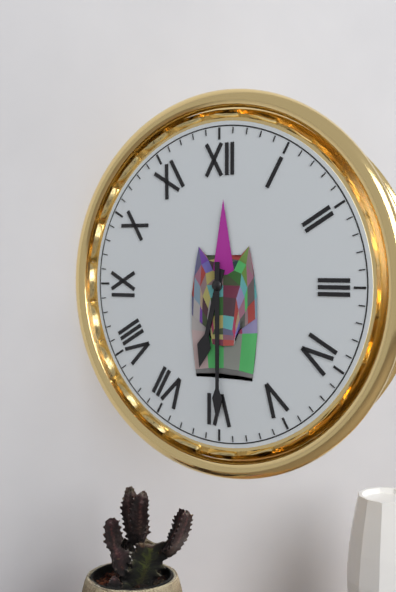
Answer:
{"hour": 6, "minute": 30}
